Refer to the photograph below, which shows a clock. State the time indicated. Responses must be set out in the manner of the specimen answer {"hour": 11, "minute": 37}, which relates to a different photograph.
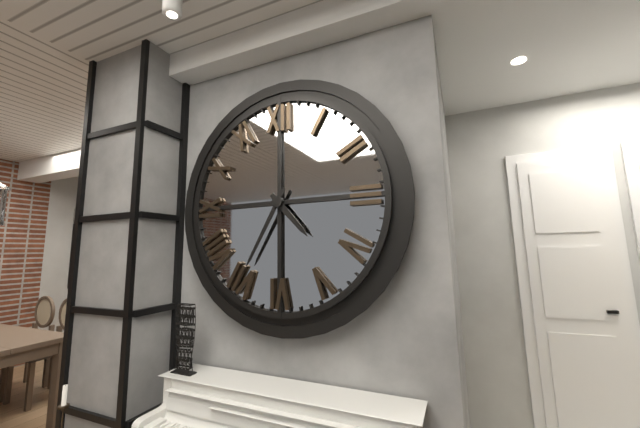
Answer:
{"hour": 4, "minute": 35}
